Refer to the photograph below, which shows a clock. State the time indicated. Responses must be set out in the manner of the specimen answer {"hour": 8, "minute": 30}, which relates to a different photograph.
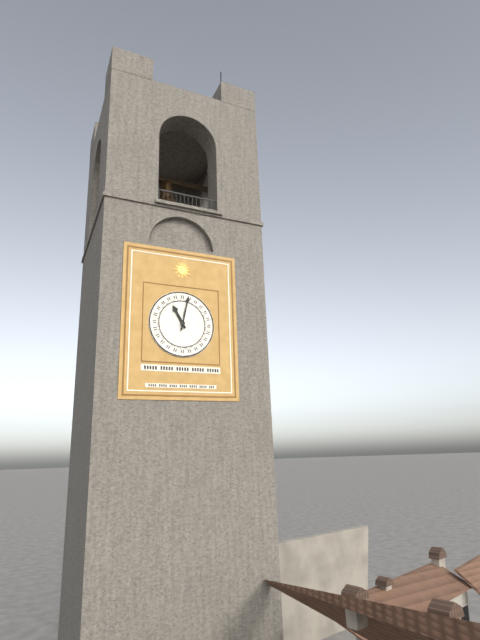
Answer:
{"hour": 11, "minute": 2}
